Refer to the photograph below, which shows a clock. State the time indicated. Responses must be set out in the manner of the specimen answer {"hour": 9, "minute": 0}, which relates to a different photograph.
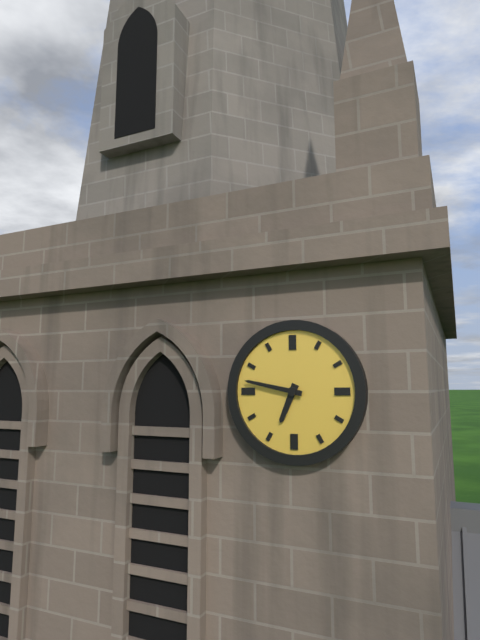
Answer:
{"hour": 6, "minute": 47}
